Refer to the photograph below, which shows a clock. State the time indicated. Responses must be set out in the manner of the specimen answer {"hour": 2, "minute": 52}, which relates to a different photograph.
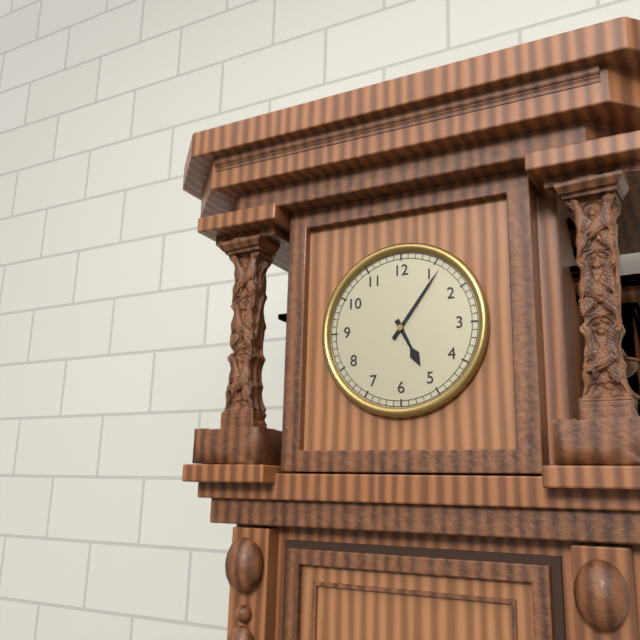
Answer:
{"hour": 5, "minute": 6}
